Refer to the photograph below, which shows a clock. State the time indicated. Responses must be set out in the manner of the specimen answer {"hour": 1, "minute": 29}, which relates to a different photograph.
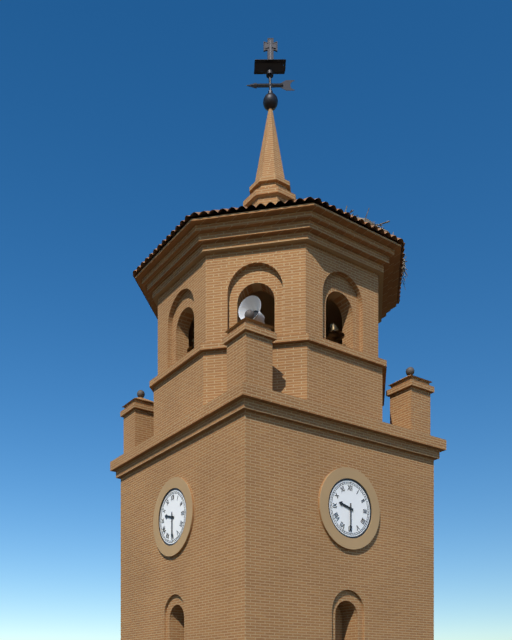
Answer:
{"hour": 9, "minute": 30}
